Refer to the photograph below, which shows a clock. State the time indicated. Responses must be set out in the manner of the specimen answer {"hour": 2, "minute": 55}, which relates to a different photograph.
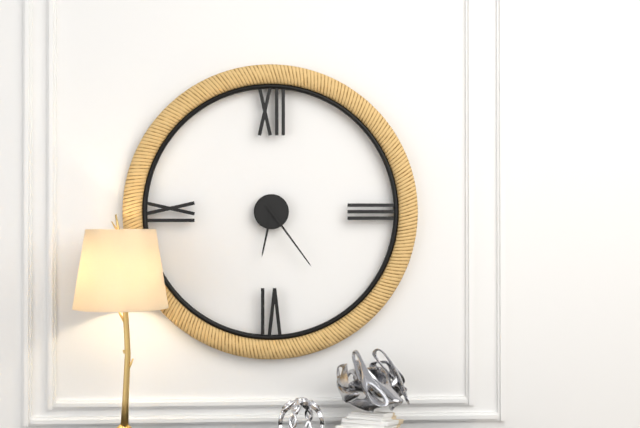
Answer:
{"hour": 6, "minute": 24}
